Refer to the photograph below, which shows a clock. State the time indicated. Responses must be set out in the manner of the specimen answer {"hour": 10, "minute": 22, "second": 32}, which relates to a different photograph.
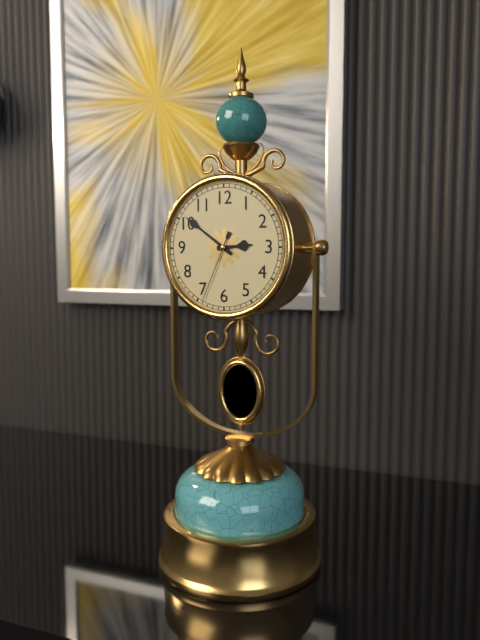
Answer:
{"hour": 2, "minute": 51, "second": 34}
